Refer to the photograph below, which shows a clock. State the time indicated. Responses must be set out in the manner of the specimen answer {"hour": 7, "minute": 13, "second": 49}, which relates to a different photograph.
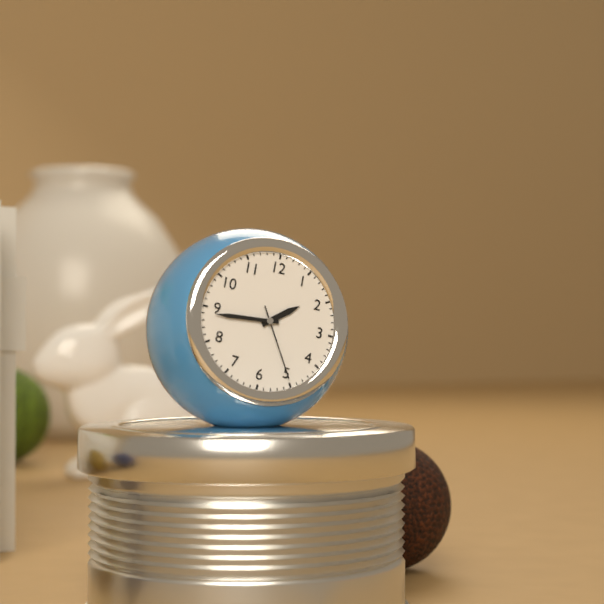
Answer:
{"hour": 1, "minute": 44, "second": 25}
